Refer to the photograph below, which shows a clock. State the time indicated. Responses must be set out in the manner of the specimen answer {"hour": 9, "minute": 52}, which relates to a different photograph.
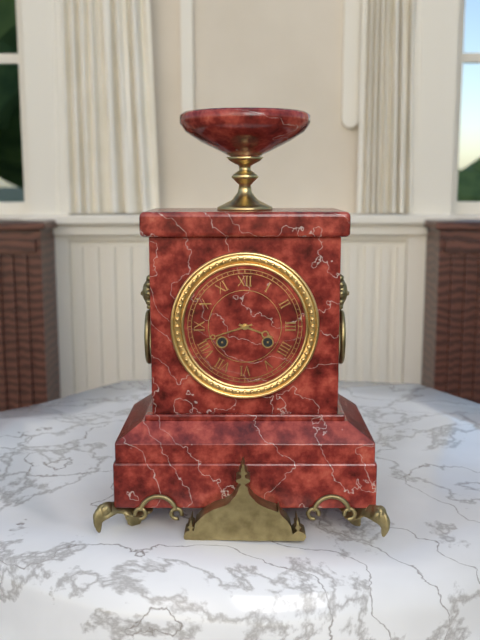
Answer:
{"hour": 3, "minute": 42}
